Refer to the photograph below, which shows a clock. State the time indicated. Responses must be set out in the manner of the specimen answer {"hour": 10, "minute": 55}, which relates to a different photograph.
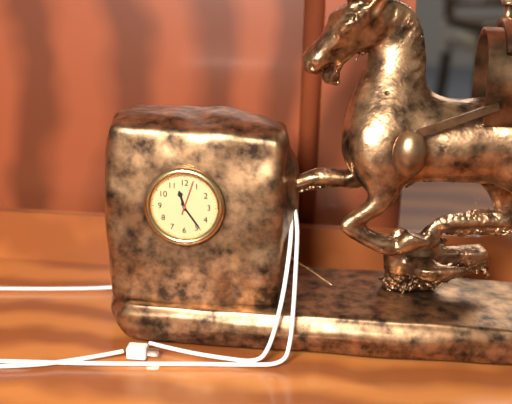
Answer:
{"hour": 11, "minute": 24}
